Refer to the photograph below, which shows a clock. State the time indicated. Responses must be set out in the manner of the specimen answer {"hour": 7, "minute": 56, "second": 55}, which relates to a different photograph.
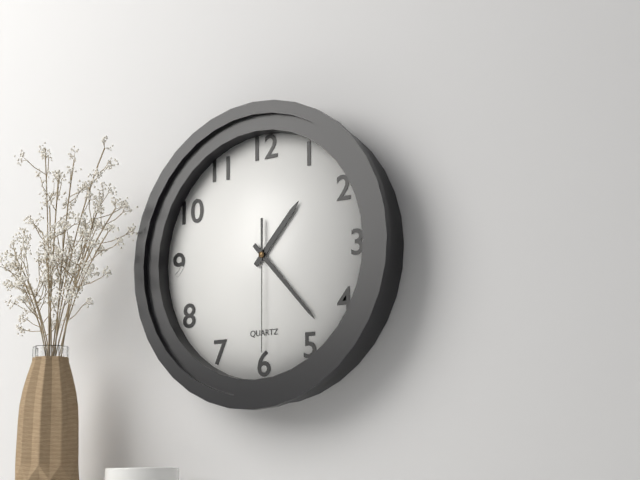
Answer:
{"hour": 1, "minute": 23, "second": 30}
